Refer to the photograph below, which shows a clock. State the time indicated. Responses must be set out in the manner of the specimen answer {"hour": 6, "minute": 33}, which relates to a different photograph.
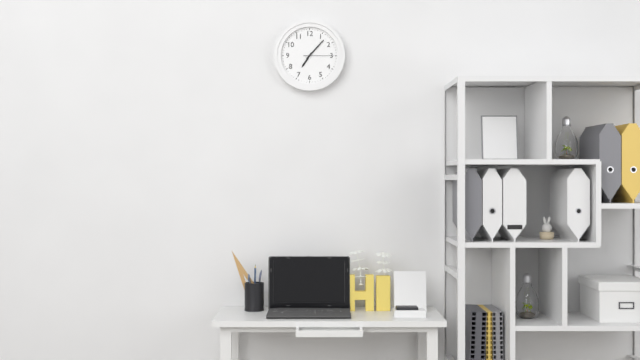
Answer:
{"hour": 7, "minute": 7}
